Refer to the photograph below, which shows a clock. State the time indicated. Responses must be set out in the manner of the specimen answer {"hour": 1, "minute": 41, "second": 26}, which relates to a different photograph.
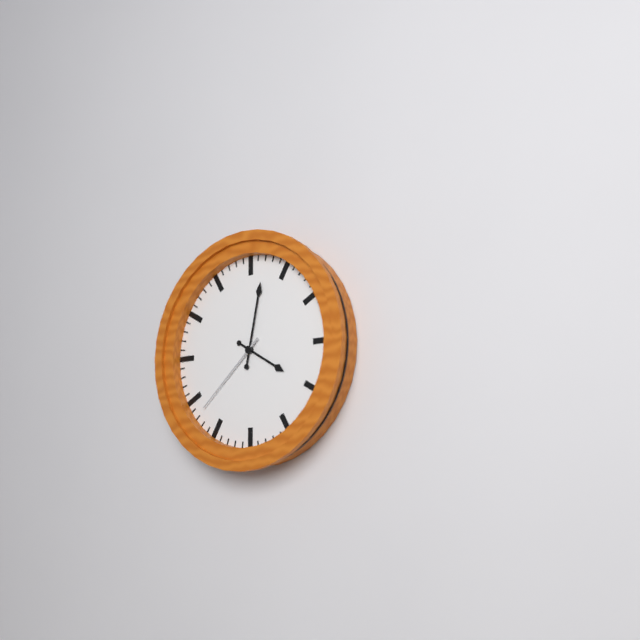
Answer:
{"hour": 4, "minute": 2, "second": 38}
